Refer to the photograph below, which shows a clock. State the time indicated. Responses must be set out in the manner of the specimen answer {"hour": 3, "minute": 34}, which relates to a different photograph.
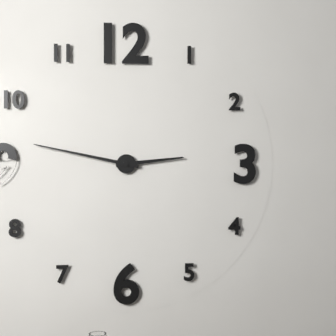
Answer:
{"hour": 2, "minute": 47}
